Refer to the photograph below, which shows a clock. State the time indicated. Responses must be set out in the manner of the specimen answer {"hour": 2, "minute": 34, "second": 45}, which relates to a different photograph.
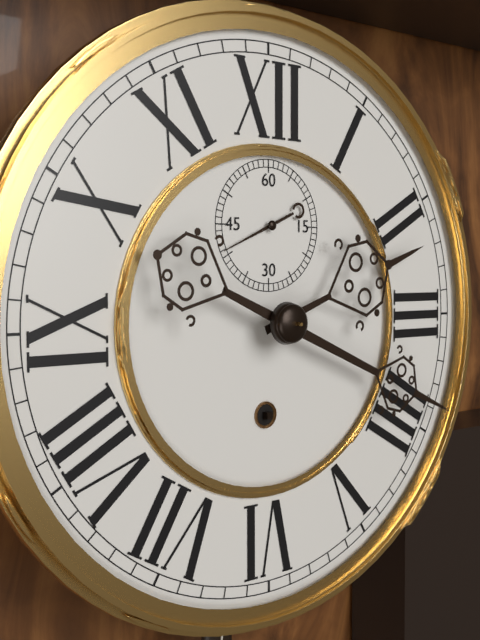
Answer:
{"hour": 2, "minute": 19, "second": 41}
